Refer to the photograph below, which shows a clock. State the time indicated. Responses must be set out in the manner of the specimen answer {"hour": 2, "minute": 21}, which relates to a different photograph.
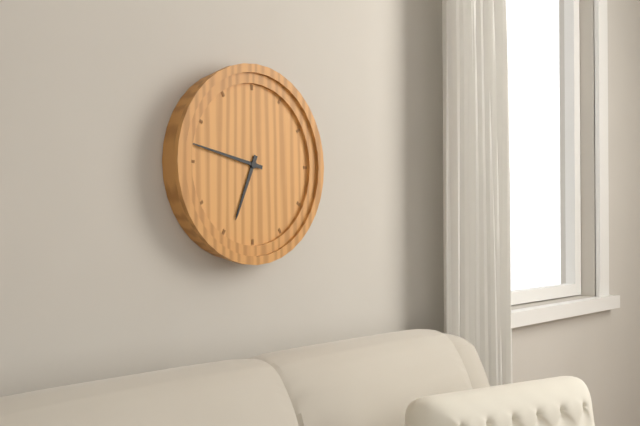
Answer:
{"hour": 6, "minute": 47}
